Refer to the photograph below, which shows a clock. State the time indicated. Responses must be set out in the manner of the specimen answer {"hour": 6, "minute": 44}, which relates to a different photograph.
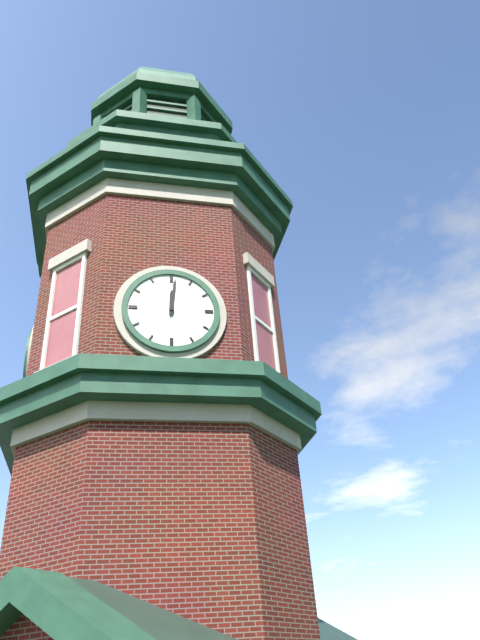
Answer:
{"hour": 12, "minute": 1}
